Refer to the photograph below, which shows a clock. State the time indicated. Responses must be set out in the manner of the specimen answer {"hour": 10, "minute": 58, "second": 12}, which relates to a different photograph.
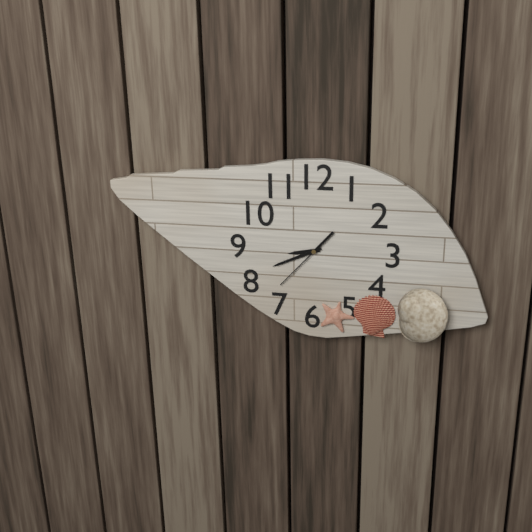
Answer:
{"hour": 8, "minute": 41, "second": 37}
